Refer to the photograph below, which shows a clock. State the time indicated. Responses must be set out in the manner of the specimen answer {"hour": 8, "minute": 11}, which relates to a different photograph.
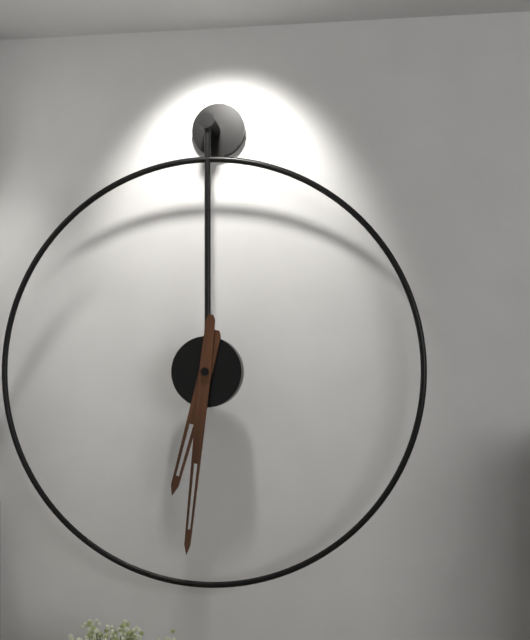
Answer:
{"hour": 6, "minute": 31}
